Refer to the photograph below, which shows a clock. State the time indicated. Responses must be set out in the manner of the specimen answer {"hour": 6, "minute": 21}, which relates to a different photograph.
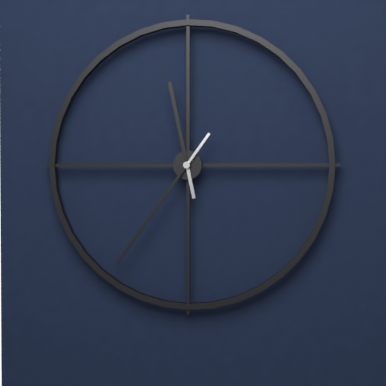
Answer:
{"hour": 11, "minute": 36}
